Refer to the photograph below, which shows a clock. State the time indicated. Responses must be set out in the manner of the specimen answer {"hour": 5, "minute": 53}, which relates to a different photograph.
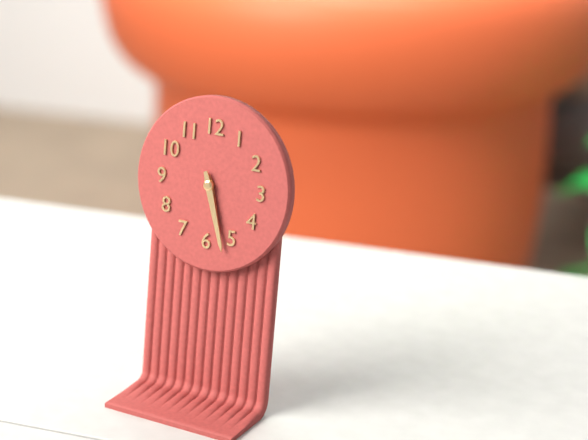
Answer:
{"hour": 5, "minute": 27}
